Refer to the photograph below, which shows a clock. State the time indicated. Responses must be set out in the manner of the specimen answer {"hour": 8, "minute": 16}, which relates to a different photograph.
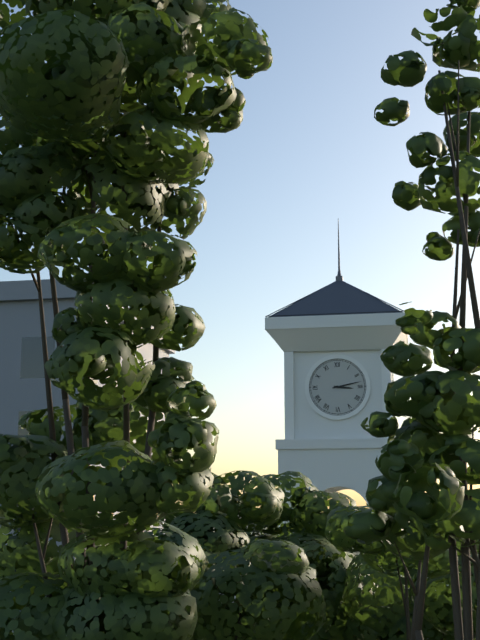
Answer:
{"hour": 3, "minute": 13}
